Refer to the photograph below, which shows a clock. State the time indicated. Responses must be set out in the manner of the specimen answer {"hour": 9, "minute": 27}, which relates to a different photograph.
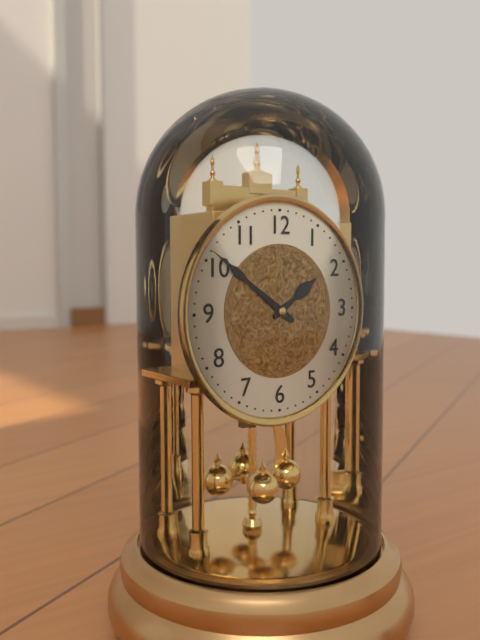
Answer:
{"hour": 1, "minute": 51}
